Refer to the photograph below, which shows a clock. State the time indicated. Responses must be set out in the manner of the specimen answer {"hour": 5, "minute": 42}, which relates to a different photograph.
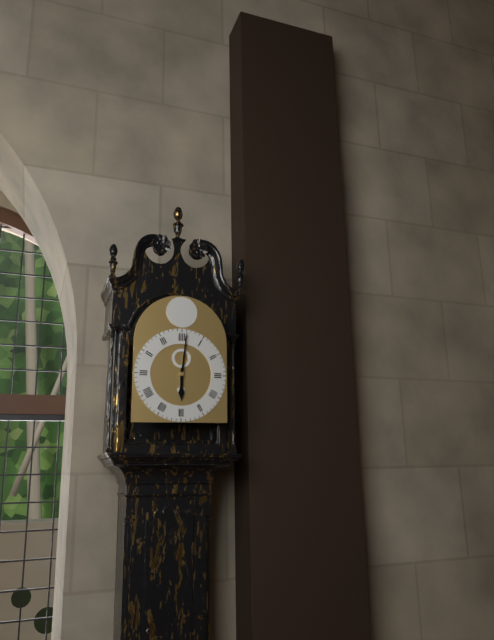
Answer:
{"hour": 6, "minute": 1}
